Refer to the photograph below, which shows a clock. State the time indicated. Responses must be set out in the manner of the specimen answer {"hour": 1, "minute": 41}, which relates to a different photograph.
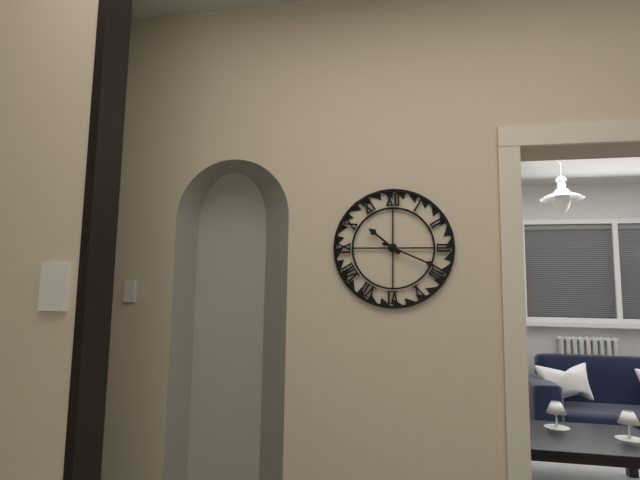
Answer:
{"hour": 10, "minute": 19}
